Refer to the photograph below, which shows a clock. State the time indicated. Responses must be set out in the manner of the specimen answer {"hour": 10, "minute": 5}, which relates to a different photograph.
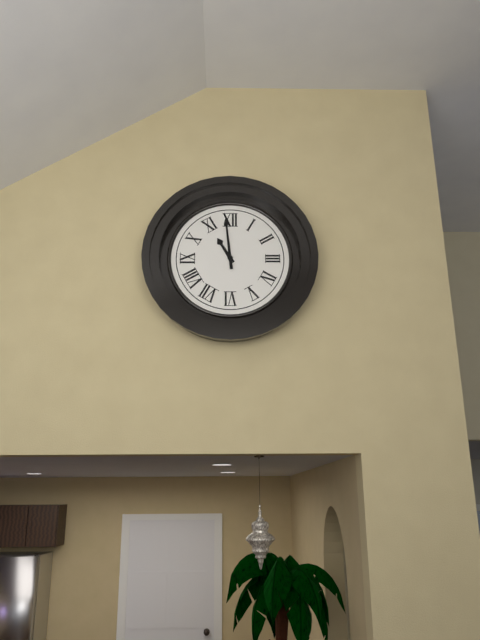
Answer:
{"hour": 10, "minute": 59}
